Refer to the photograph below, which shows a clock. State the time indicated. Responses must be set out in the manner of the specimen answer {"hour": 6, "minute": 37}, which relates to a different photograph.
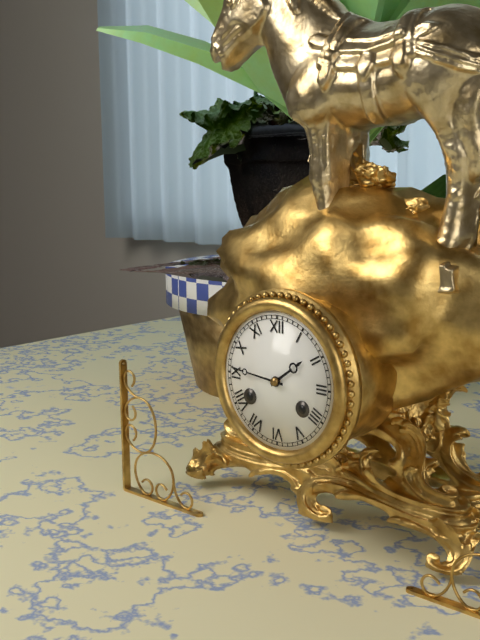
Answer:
{"hour": 1, "minute": 46}
